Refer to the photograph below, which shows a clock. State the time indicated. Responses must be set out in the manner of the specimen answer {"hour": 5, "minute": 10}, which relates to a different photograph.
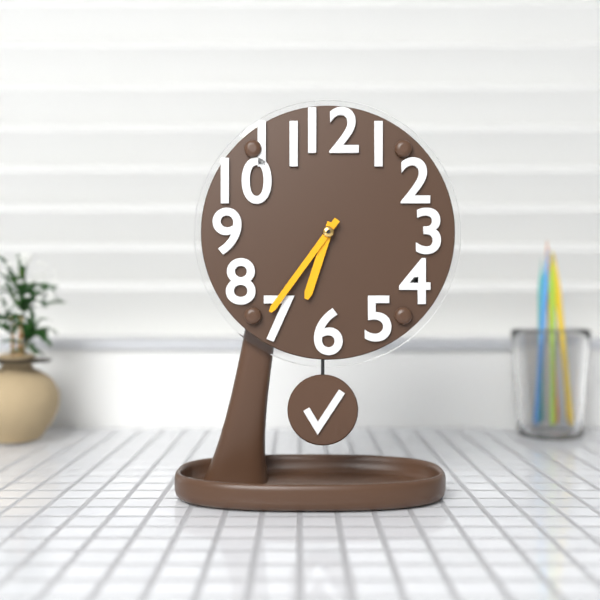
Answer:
{"hour": 6, "minute": 36}
